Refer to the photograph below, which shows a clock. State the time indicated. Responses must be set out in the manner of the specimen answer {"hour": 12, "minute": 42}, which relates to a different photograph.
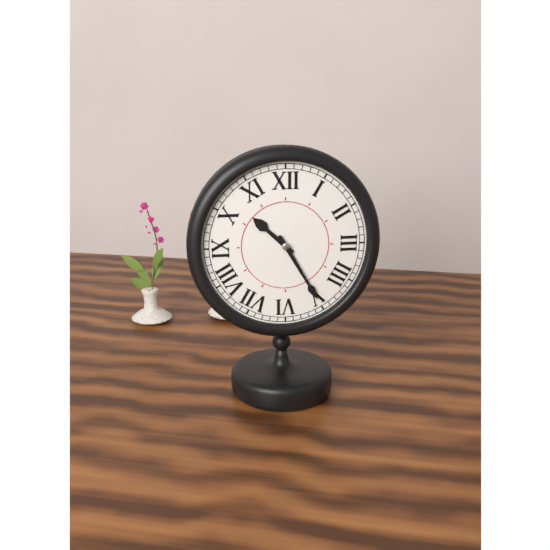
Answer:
{"hour": 10, "minute": 25}
